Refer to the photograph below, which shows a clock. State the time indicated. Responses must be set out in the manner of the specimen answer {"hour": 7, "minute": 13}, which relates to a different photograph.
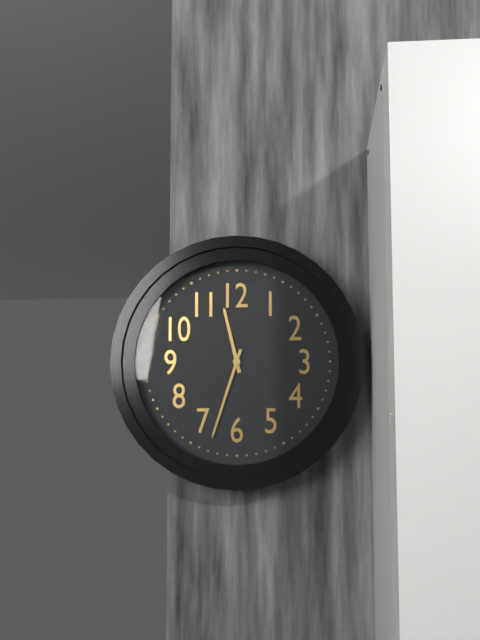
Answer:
{"hour": 11, "minute": 33}
